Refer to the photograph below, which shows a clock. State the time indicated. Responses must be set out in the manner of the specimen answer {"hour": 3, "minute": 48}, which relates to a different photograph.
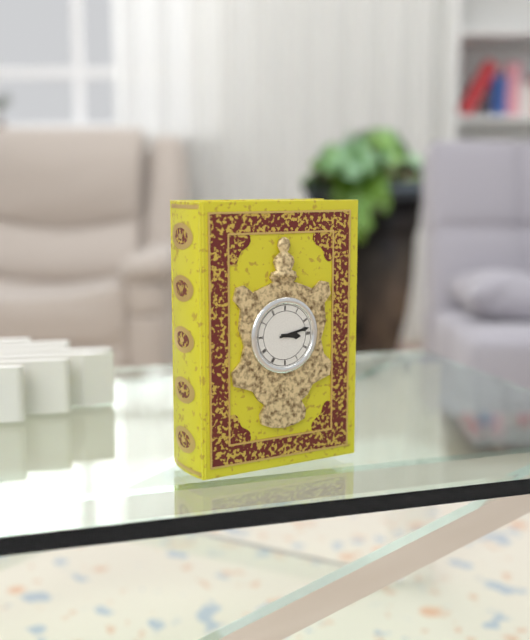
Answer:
{"hour": 3, "minute": 13}
